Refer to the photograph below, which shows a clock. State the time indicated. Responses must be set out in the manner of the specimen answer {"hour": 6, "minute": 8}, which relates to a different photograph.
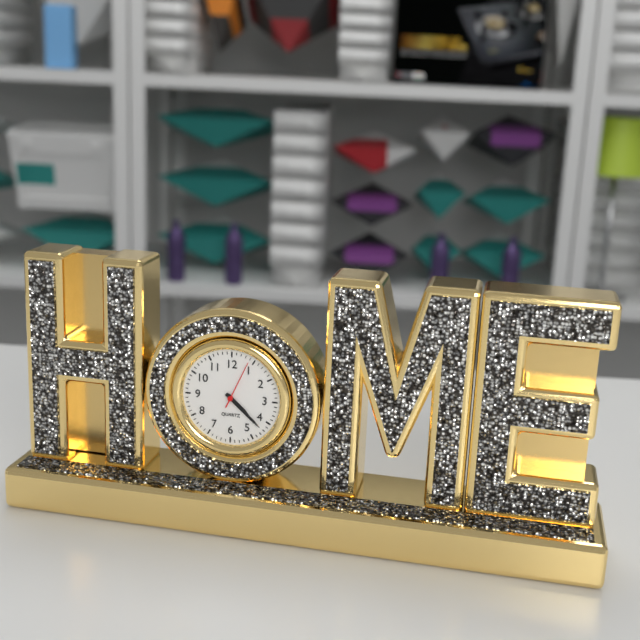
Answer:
{"hour": 4, "minute": 22}
